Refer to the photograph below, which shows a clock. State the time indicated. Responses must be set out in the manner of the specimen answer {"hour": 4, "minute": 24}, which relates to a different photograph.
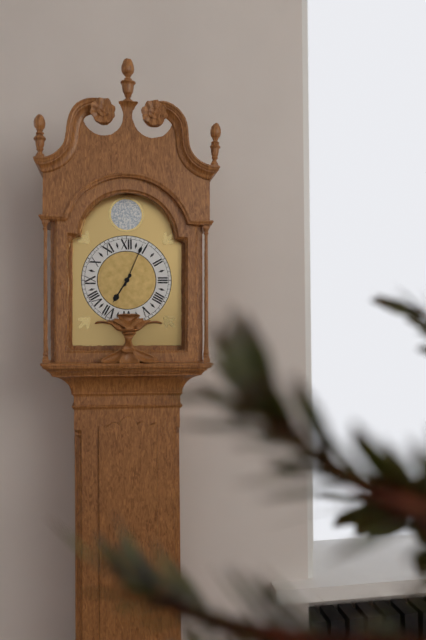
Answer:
{"hour": 7, "minute": 4}
